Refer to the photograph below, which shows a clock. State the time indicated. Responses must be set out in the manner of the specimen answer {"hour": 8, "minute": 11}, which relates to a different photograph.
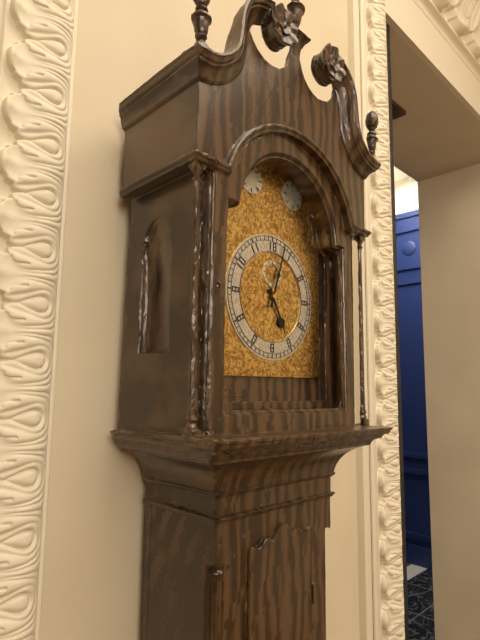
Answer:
{"hour": 5, "minute": 3}
